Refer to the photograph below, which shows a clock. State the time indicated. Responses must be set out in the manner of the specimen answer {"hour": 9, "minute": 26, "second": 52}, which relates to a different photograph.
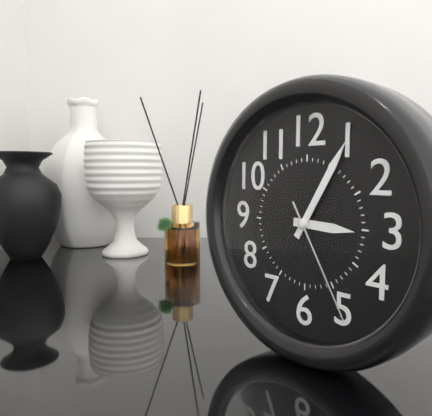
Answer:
{"hour": 3, "minute": 5, "second": 25}
